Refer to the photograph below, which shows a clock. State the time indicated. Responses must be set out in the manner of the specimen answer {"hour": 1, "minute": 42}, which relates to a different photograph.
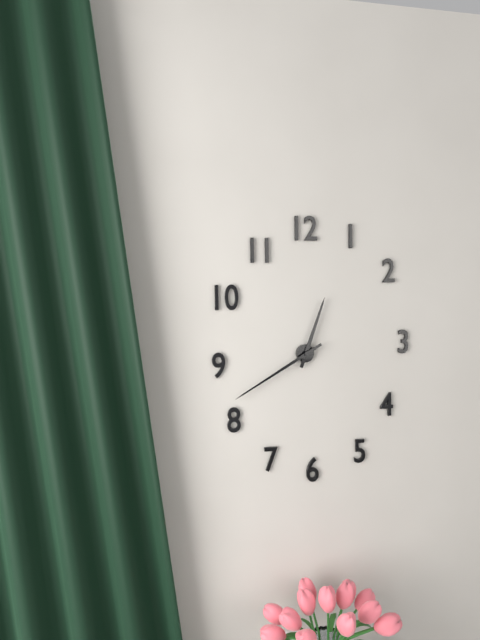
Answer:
{"hour": 12, "minute": 40}
